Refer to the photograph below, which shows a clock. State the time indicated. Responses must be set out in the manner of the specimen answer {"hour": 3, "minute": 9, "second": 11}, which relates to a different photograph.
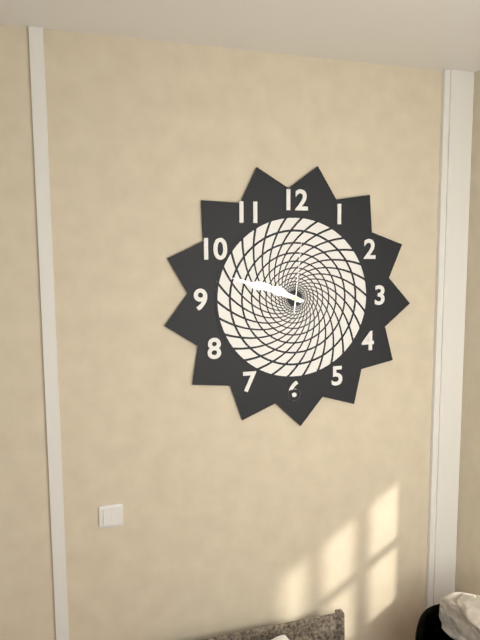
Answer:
{"hour": 9, "minute": 48, "second": 1}
